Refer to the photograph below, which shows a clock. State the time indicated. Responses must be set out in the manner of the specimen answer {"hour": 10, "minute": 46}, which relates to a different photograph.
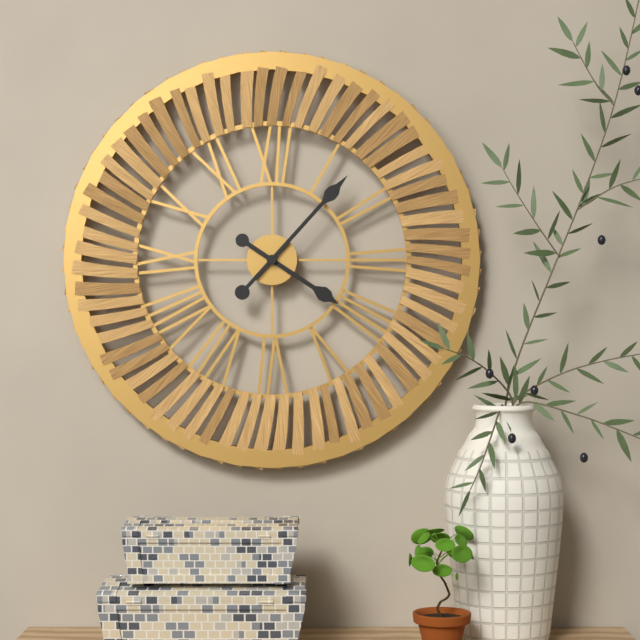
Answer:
{"hour": 4, "minute": 7}
